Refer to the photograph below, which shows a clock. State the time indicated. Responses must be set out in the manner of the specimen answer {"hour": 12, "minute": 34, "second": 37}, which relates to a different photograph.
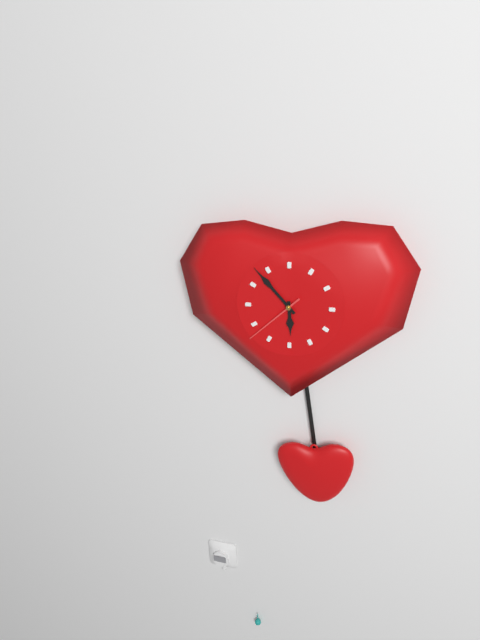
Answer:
{"hour": 5, "minute": 53, "second": 38}
